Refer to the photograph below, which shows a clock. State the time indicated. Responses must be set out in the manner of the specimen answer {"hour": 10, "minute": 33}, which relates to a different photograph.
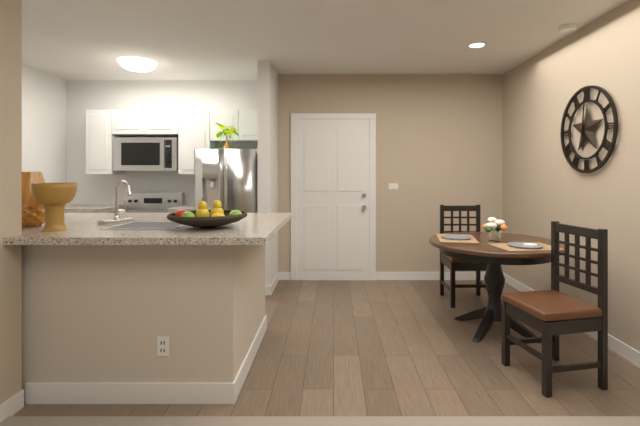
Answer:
{"hour": 6, "minute": 1}
